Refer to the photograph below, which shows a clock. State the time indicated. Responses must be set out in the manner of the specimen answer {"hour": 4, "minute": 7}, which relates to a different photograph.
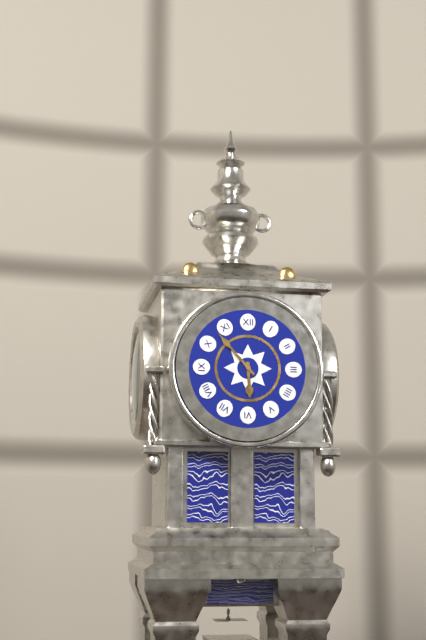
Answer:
{"hour": 5, "minute": 53}
